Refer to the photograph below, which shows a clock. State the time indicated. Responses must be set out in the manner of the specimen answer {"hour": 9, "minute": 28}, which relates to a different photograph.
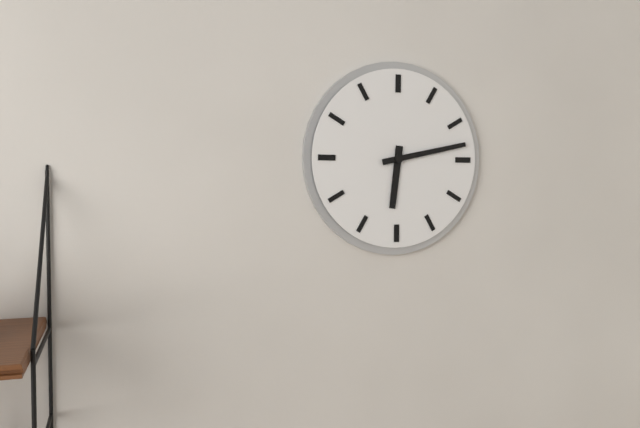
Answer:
{"hour": 6, "minute": 13}
